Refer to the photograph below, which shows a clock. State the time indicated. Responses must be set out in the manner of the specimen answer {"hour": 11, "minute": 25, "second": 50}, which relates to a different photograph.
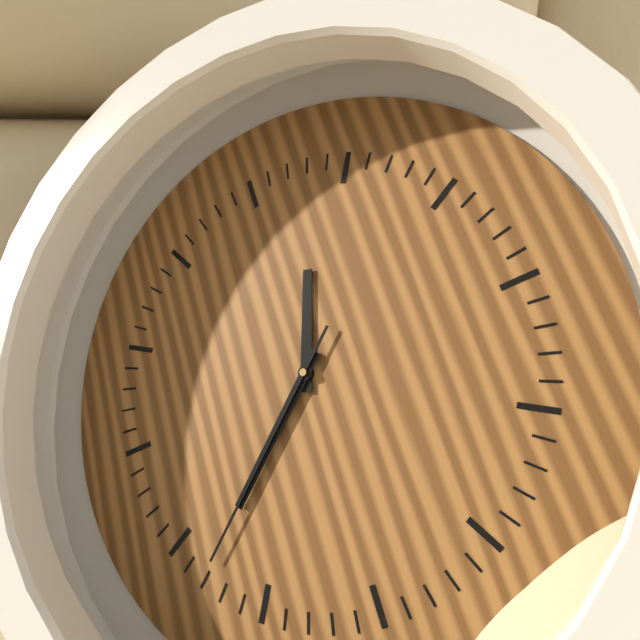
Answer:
{"hour": 12, "minute": 38, "second": 38}
